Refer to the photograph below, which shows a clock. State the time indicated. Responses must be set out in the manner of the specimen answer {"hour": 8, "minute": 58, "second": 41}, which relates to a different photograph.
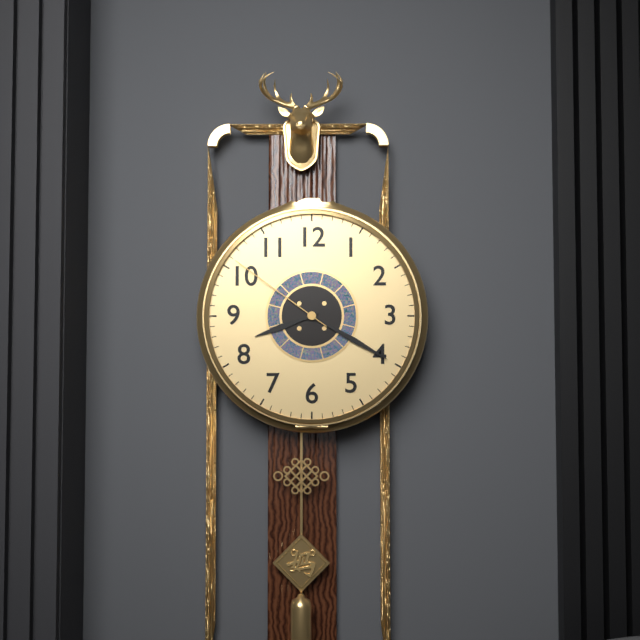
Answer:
{"hour": 8, "minute": 20, "second": 51}
